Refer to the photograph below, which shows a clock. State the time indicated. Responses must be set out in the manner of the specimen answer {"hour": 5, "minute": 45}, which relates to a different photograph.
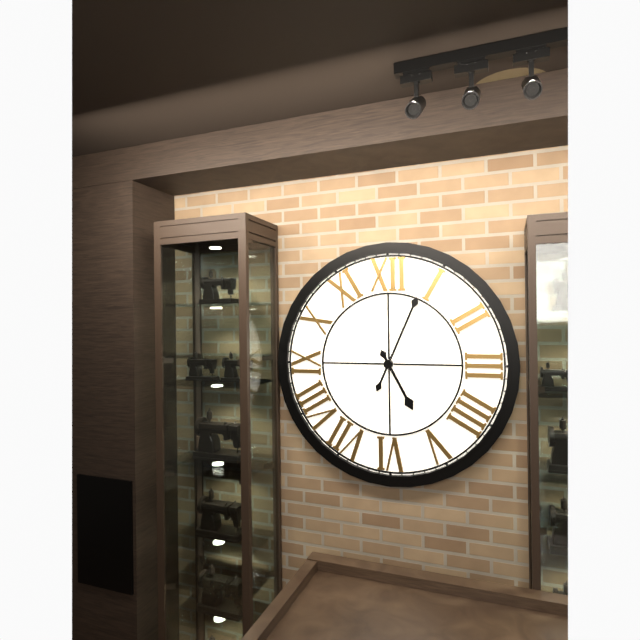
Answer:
{"hour": 5, "minute": 4}
